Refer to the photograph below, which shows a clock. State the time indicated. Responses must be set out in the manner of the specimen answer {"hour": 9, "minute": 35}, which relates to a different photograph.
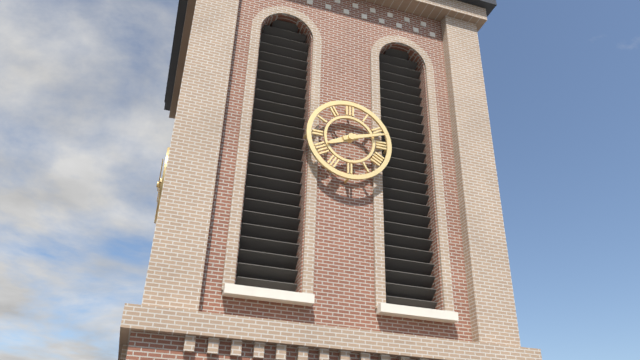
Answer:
{"hour": 8, "minute": 12}
